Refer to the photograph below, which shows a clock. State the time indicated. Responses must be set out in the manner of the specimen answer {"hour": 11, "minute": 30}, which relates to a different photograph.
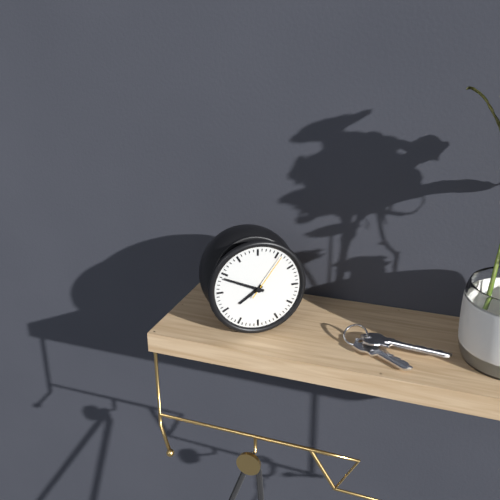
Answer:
{"hour": 7, "minute": 49}
